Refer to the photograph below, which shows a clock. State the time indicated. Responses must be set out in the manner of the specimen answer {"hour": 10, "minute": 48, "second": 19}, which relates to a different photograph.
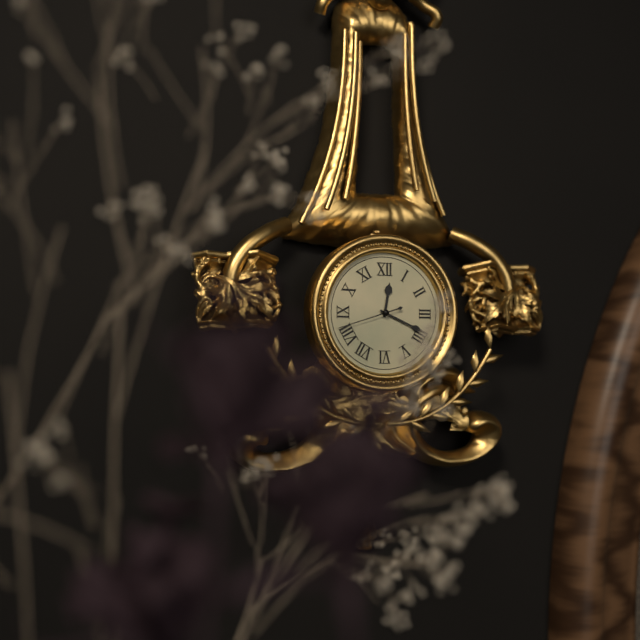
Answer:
{"hour": 12, "minute": 19, "second": 42}
